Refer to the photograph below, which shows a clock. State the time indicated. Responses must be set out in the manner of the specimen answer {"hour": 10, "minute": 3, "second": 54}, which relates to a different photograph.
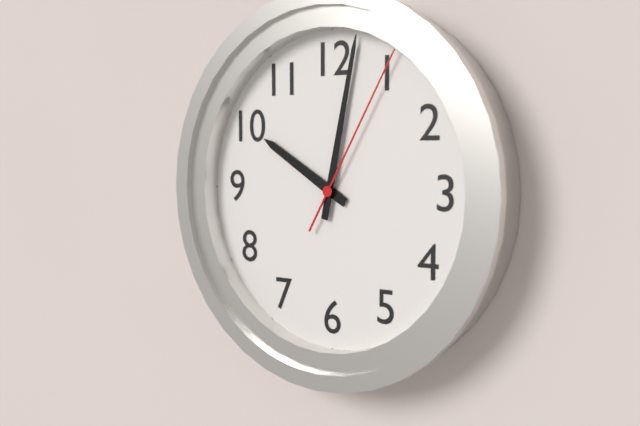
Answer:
{"hour": 10, "minute": 2, "second": 5}
